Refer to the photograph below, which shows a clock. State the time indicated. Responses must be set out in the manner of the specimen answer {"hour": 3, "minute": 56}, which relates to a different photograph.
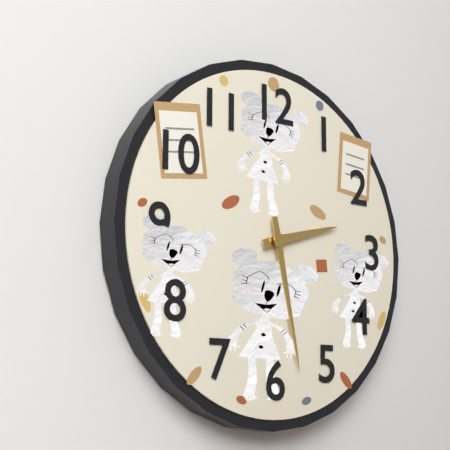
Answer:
{"hour": 2, "minute": 28}
